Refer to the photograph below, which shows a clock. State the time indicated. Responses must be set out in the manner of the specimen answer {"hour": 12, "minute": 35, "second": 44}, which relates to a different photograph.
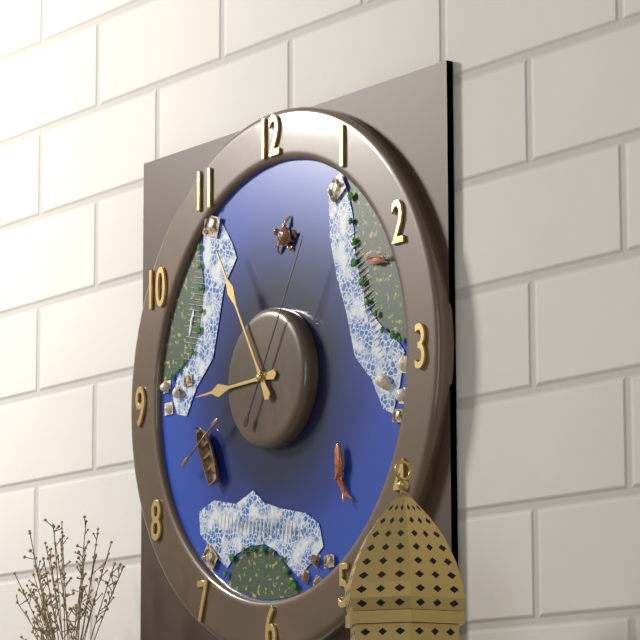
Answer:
{"hour": 8, "minute": 55, "second": 5}
